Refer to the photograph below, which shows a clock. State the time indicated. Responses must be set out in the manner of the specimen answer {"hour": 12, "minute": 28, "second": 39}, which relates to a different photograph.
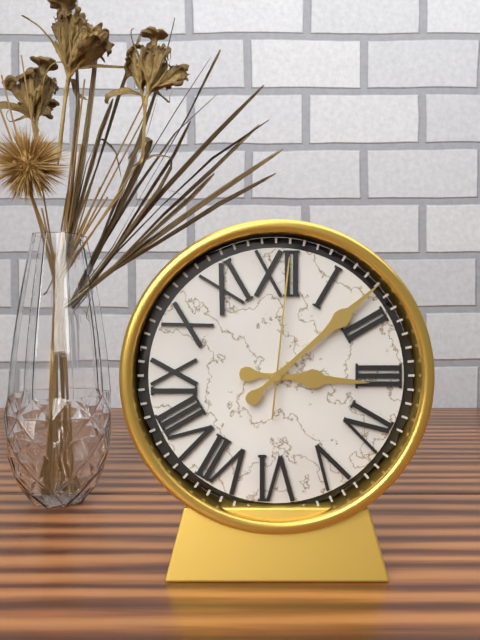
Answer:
{"hour": 3, "minute": 8, "second": 1}
